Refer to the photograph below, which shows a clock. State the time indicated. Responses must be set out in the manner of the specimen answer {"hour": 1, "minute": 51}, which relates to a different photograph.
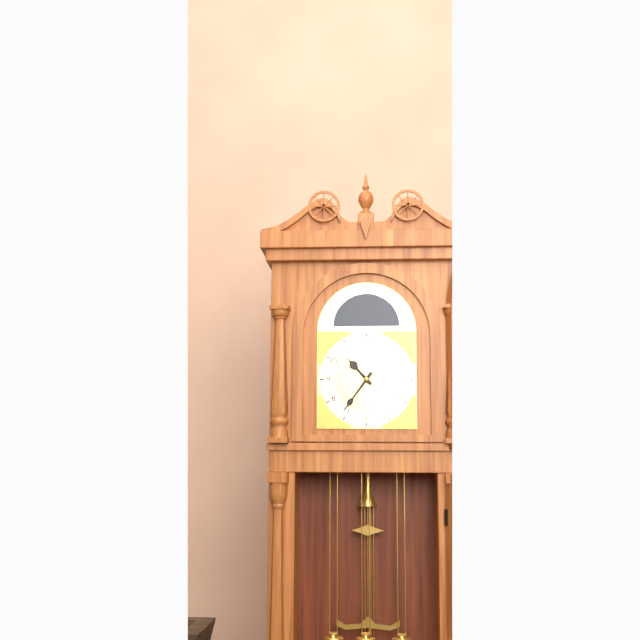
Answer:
{"hour": 10, "minute": 36}
